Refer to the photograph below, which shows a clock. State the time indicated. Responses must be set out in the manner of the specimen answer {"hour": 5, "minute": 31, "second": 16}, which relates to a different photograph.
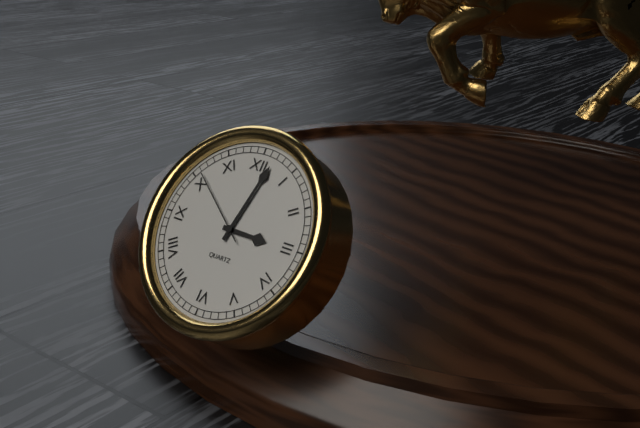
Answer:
{"hour": 3, "minute": 2, "second": 51}
